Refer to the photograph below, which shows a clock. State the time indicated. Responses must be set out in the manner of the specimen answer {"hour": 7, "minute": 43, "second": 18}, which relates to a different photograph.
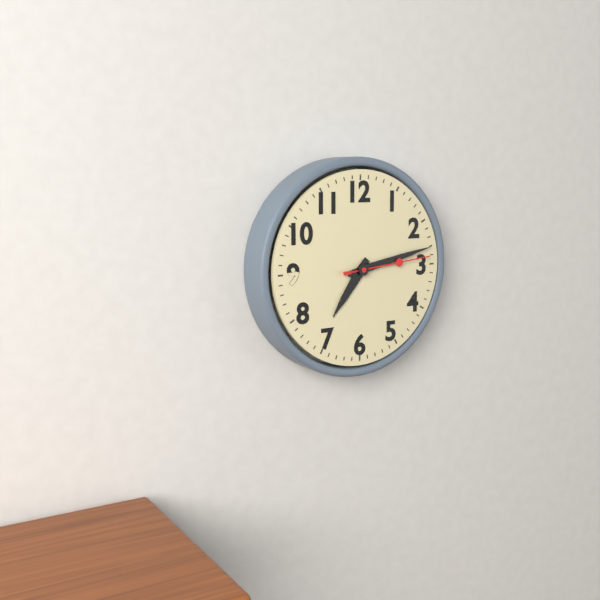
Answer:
{"hour": 7, "minute": 13, "second": 14}
